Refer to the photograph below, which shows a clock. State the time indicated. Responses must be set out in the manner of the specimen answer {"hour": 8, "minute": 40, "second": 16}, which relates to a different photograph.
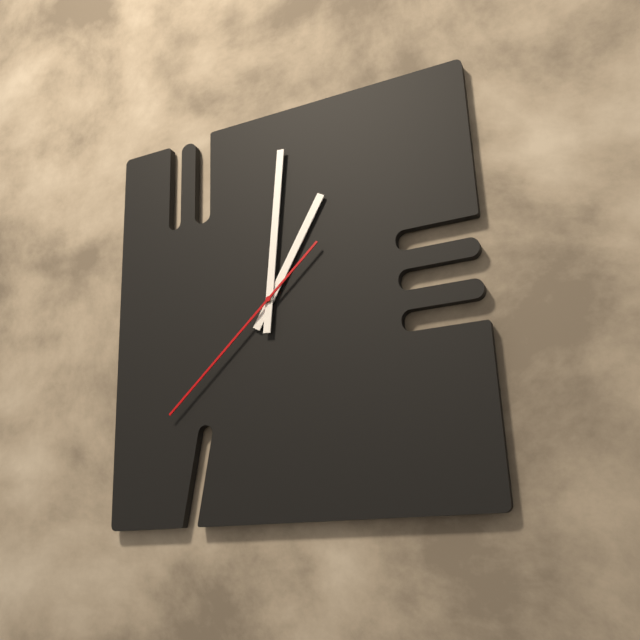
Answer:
{"hour": 1, "minute": 1, "second": 38}
